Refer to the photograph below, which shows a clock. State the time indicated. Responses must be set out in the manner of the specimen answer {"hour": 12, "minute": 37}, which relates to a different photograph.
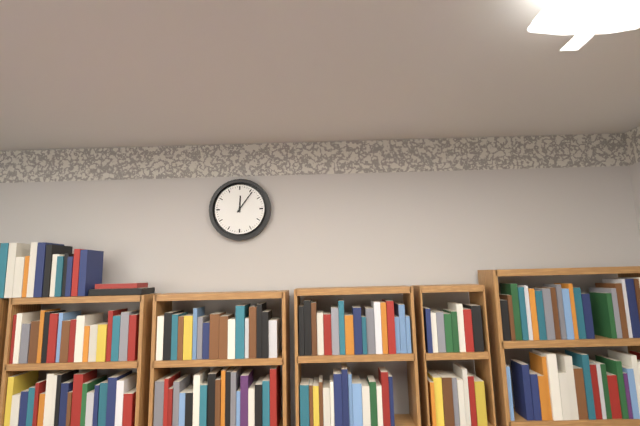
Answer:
{"hour": 12, "minute": 6}
